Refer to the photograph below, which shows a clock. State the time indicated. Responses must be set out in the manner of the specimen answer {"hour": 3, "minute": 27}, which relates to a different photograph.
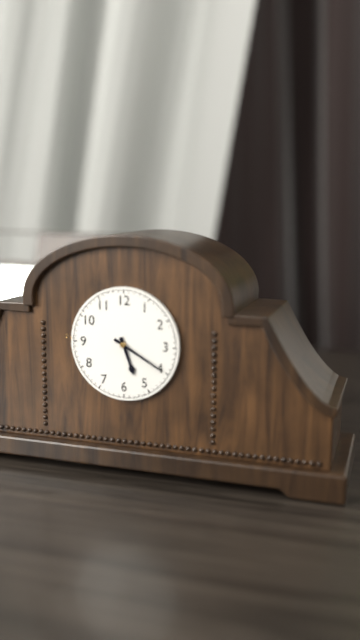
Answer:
{"hour": 5, "minute": 20}
